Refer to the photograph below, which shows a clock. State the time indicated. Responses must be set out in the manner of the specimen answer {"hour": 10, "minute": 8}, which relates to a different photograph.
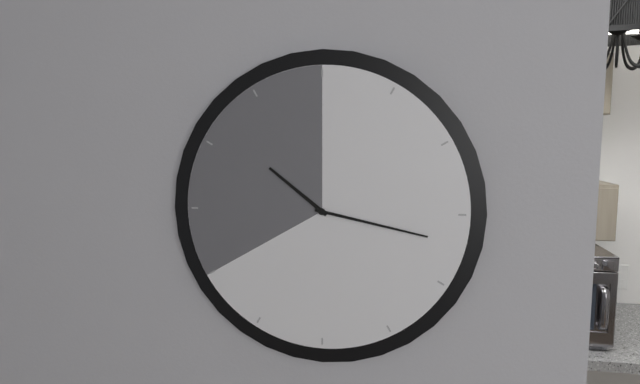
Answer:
{"hour": 10, "minute": 17}
